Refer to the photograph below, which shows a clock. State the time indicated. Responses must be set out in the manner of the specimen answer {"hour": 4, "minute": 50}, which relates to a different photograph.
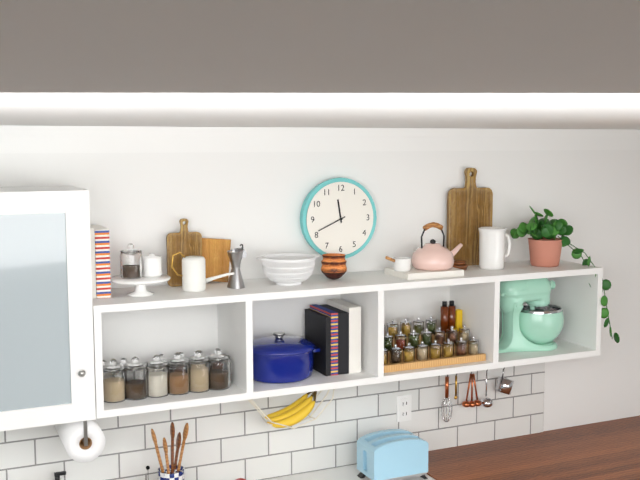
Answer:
{"hour": 11, "minute": 41}
